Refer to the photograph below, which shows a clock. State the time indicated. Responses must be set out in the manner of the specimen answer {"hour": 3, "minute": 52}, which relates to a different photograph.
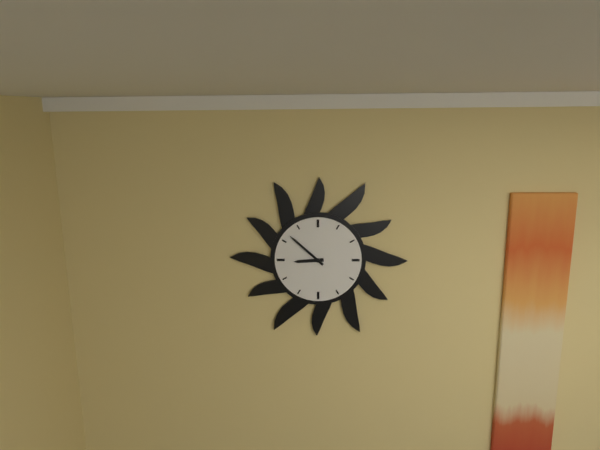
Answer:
{"hour": 8, "minute": 52}
